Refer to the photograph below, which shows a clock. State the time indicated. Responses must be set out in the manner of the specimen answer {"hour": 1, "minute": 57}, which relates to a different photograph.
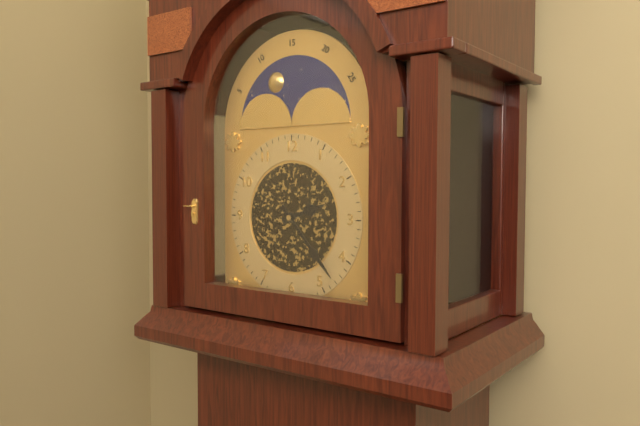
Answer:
{"hour": 2, "minute": 23}
